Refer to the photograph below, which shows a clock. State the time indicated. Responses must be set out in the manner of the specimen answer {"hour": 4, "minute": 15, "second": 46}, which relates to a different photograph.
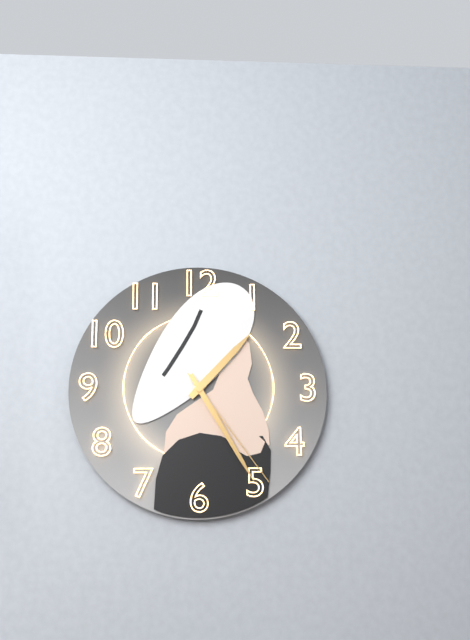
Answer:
{"hour": 1, "minute": 25, "second": 24}
